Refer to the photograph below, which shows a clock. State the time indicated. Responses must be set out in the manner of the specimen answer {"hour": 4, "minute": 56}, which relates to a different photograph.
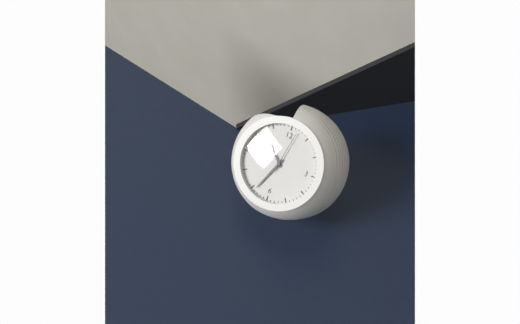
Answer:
{"hour": 10, "minute": 34}
